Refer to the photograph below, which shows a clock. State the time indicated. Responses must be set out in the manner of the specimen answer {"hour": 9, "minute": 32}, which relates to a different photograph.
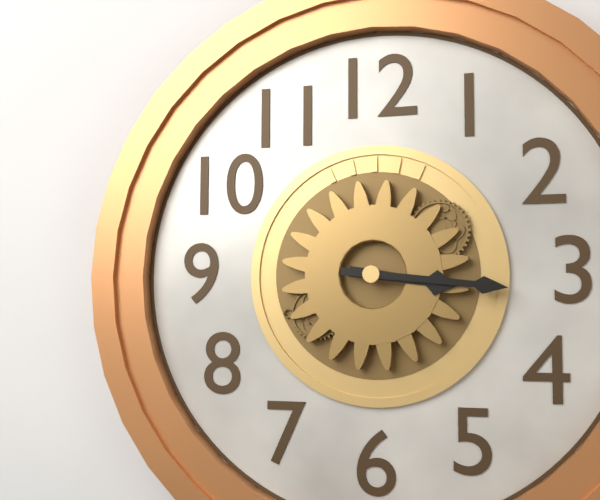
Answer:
{"hour": 3, "minute": 16}
